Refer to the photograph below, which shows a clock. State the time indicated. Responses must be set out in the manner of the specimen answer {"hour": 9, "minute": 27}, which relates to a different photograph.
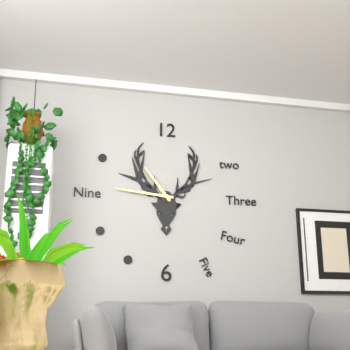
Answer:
{"hour": 10, "minute": 46}
